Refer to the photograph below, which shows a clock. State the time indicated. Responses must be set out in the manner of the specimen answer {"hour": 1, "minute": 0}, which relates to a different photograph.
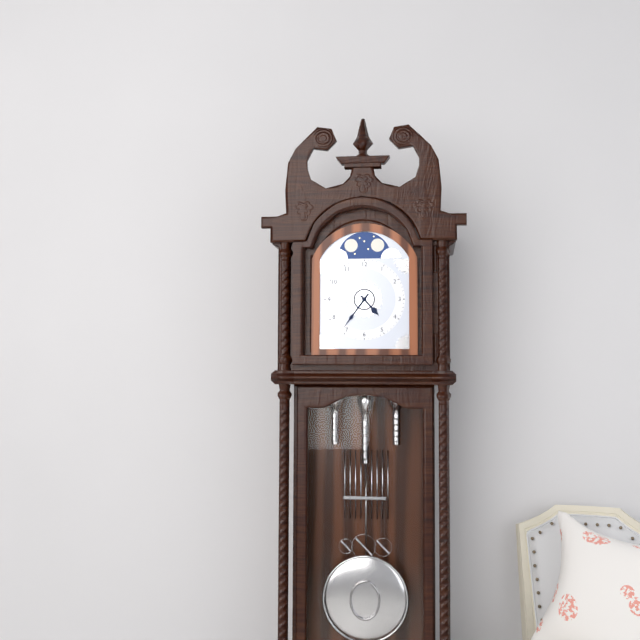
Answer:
{"hour": 4, "minute": 36}
